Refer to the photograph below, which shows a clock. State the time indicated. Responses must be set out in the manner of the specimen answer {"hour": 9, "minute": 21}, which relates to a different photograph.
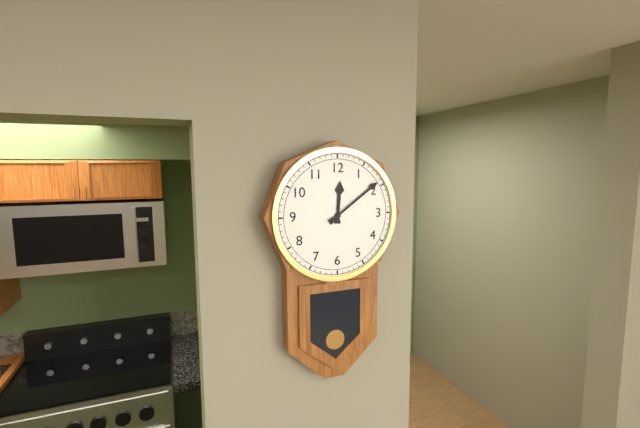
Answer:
{"hour": 12, "minute": 9}
